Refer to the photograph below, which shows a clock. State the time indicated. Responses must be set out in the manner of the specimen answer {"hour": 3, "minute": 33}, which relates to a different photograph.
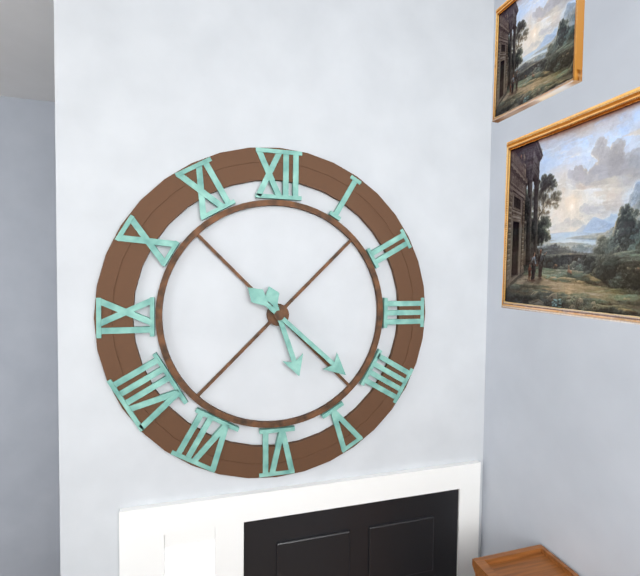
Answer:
{"hour": 5, "minute": 22}
